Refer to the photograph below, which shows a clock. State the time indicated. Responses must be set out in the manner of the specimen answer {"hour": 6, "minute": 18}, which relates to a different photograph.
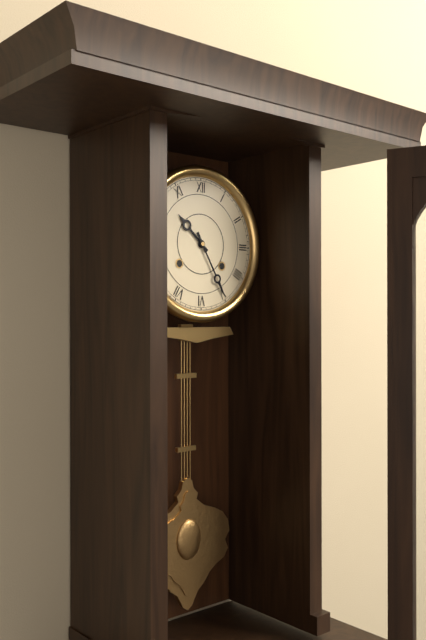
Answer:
{"hour": 10, "minute": 25}
